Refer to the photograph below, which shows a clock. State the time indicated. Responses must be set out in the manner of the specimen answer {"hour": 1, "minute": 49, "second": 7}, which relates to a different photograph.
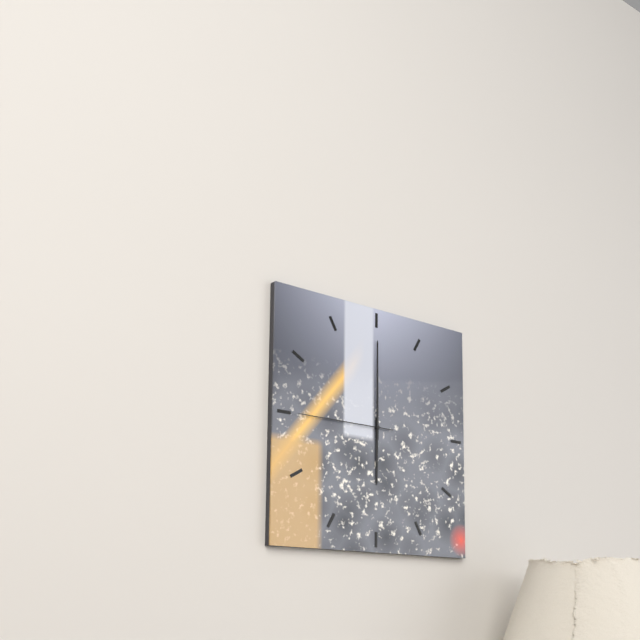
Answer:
{"hour": 6, "minute": 0, "second": 45}
